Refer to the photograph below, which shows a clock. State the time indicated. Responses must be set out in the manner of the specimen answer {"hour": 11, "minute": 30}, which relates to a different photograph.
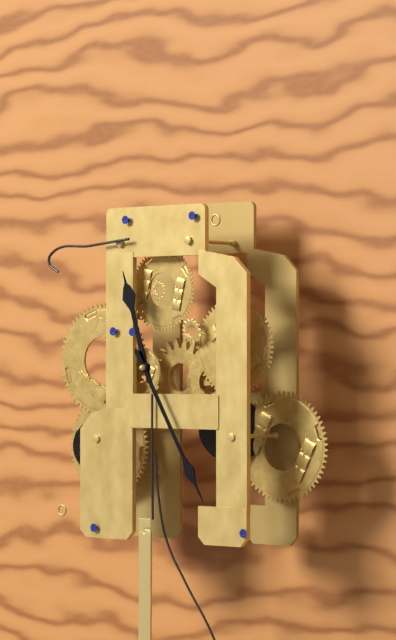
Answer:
{"hour": 11, "minute": 25}
